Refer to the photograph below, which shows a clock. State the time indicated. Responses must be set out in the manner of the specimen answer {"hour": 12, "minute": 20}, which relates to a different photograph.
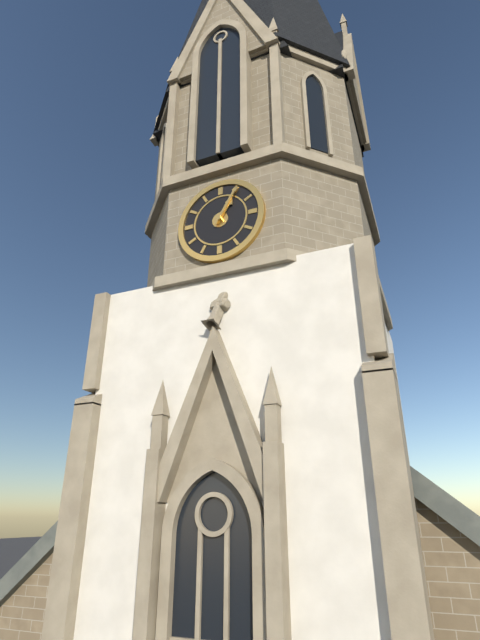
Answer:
{"hour": 1, "minute": 5}
